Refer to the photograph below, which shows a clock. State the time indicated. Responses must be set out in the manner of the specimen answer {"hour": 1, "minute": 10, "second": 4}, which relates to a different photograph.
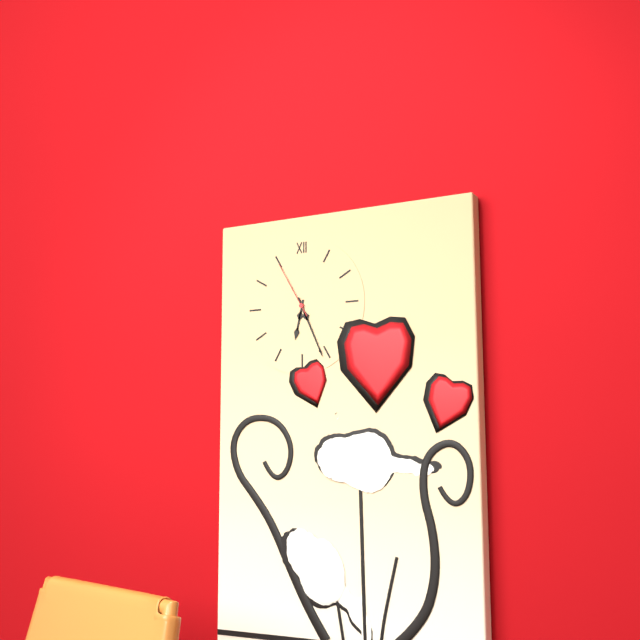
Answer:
{"hour": 6, "minute": 26, "second": 55}
